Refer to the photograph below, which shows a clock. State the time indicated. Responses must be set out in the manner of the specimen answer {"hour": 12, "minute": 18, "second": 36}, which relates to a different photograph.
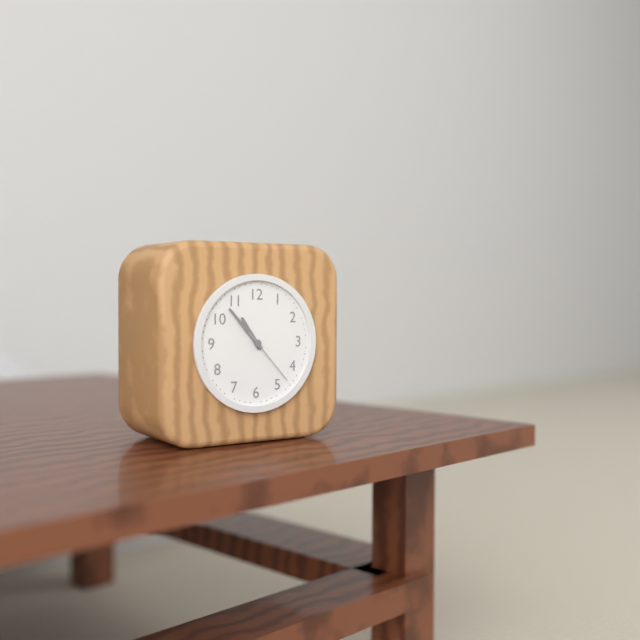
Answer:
{"hour": 10, "minute": 53, "second": 23}
